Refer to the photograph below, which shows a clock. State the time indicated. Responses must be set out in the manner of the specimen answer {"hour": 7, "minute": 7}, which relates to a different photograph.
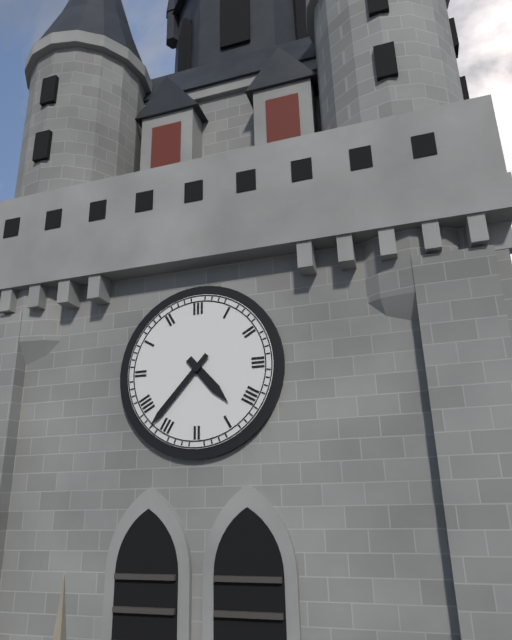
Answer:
{"hour": 4, "minute": 37}
